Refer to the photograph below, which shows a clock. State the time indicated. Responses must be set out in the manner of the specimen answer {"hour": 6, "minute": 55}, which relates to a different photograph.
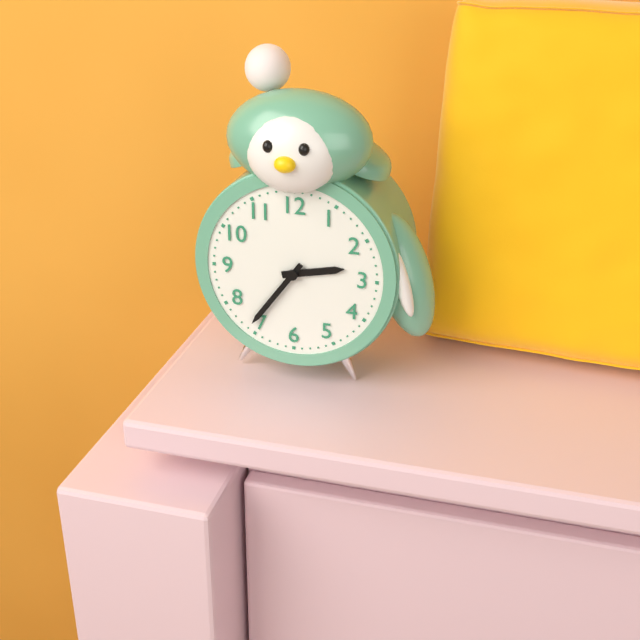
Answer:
{"hour": 2, "minute": 36}
